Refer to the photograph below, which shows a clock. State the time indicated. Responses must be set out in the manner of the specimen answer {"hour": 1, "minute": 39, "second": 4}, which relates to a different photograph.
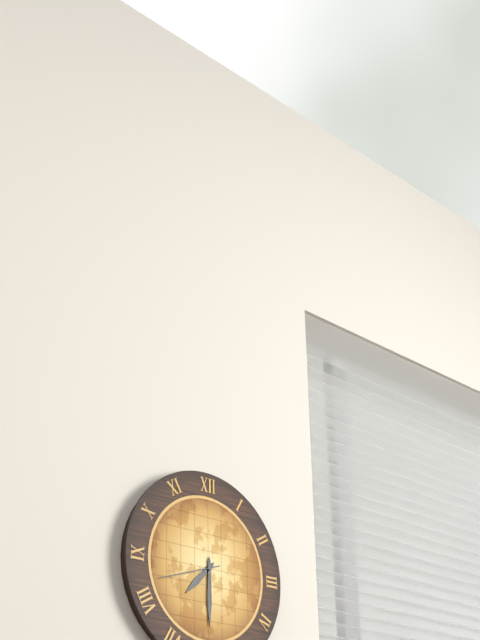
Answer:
{"hour": 7, "minute": 30, "second": 42}
